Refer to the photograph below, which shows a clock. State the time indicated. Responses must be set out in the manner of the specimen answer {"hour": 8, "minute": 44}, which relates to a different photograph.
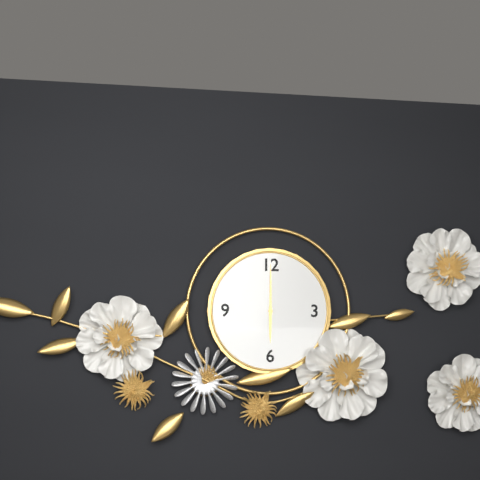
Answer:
{"hour": 6, "minute": 0}
